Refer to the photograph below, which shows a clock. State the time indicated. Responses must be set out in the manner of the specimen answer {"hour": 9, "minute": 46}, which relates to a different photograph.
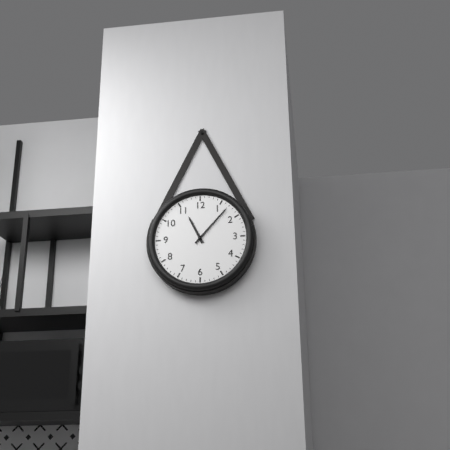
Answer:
{"hour": 11, "minute": 7}
